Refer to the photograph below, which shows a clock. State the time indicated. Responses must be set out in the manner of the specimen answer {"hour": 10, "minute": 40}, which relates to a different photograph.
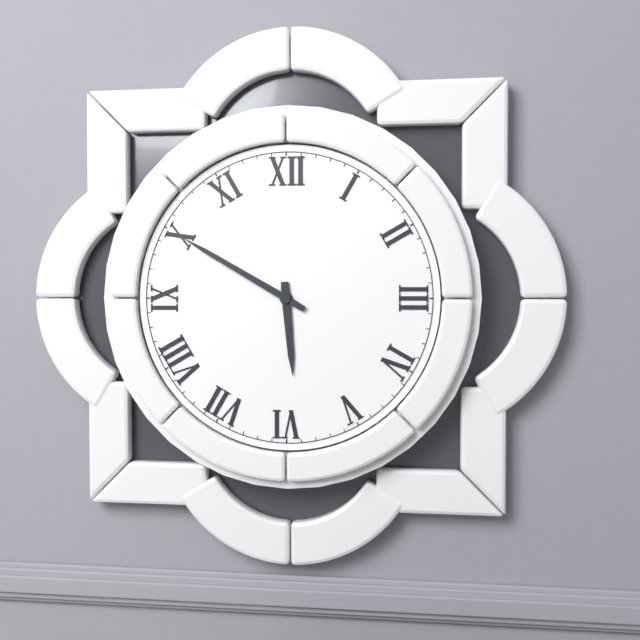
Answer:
{"hour": 5, "minute": 50}
